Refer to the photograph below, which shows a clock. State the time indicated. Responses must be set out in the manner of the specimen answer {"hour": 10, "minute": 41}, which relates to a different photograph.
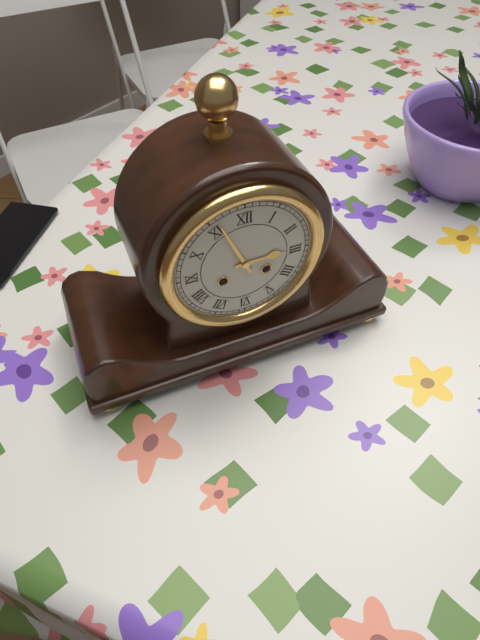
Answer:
{"hour": 2, "minute": 56}
